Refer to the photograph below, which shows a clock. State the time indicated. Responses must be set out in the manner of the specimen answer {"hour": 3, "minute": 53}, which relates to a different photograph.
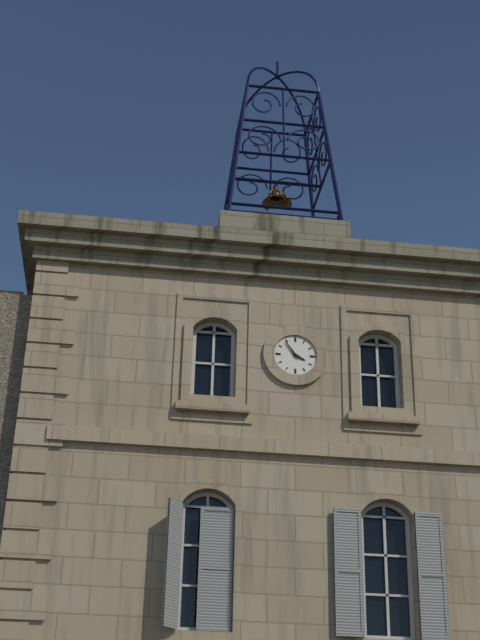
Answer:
{"hour": 3, "minute": 54}
